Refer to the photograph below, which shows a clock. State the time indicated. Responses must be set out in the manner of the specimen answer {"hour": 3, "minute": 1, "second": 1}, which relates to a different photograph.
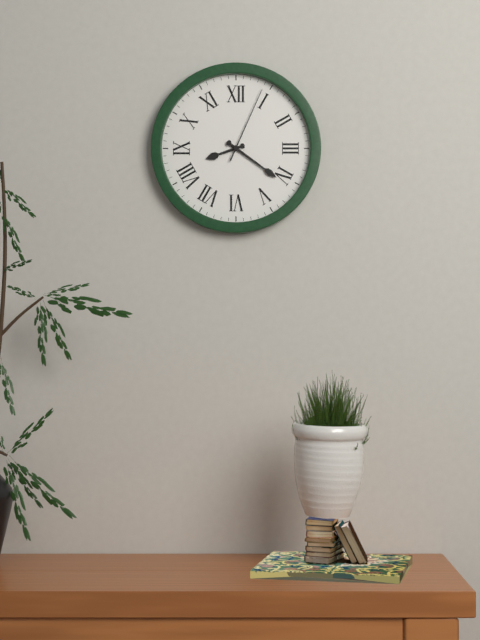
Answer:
{"hour": 8, "minute": 21, "second": 4}
